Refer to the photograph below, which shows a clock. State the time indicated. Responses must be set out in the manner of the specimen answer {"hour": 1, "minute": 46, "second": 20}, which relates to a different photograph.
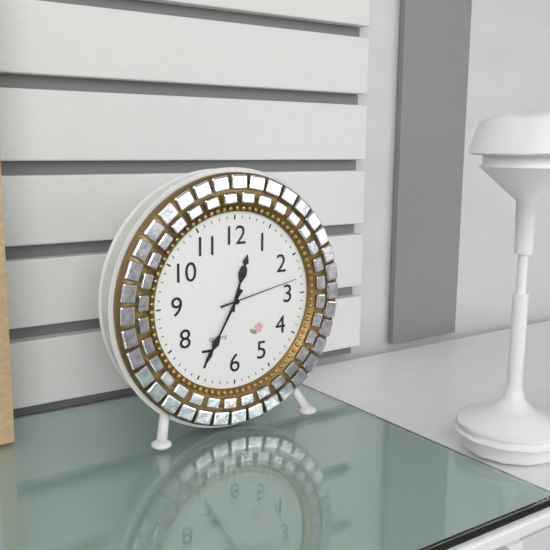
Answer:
{"hour": 12, "minute": 35, "second": 13}
